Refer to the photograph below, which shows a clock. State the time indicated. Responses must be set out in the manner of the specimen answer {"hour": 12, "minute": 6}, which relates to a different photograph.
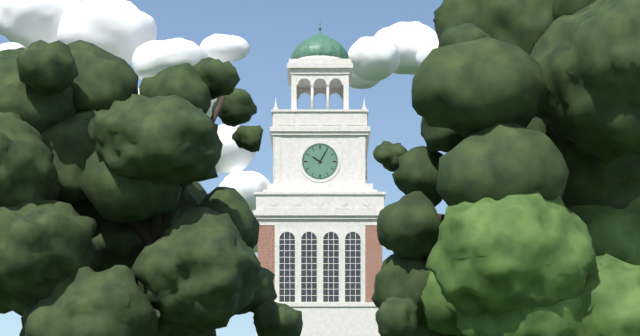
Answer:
{"hour": 10, "minute": 5}
